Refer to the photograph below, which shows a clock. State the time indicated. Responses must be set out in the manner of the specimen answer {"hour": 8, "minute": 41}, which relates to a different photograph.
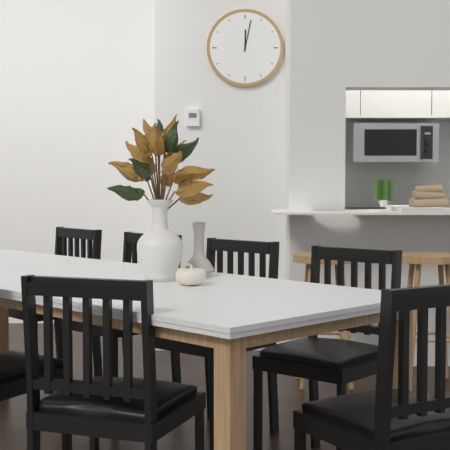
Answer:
{"hour": 12, "minute": 2}
